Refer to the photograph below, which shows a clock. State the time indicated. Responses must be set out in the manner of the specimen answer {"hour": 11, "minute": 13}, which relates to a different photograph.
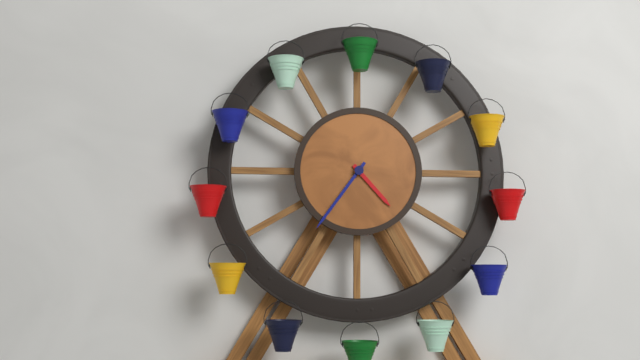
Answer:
{"hour": 4, "minute": 36}
